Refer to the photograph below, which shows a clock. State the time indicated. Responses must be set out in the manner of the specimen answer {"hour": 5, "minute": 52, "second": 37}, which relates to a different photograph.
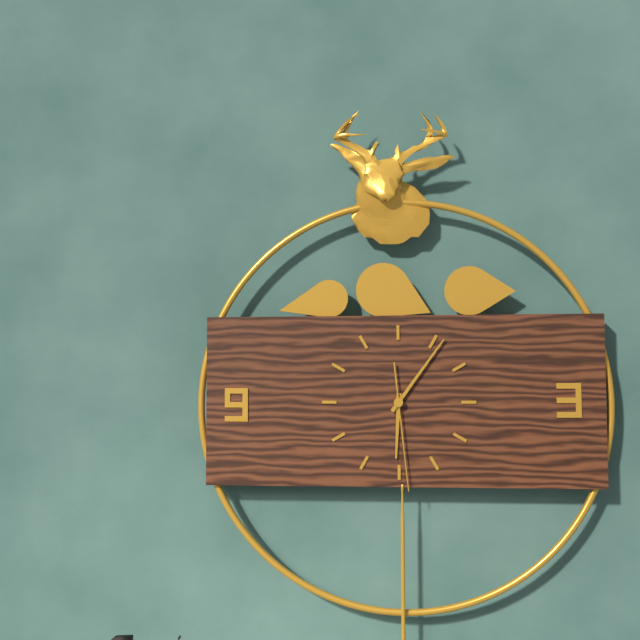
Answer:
{"hour": 6, "minute": 6, "second": 29}
